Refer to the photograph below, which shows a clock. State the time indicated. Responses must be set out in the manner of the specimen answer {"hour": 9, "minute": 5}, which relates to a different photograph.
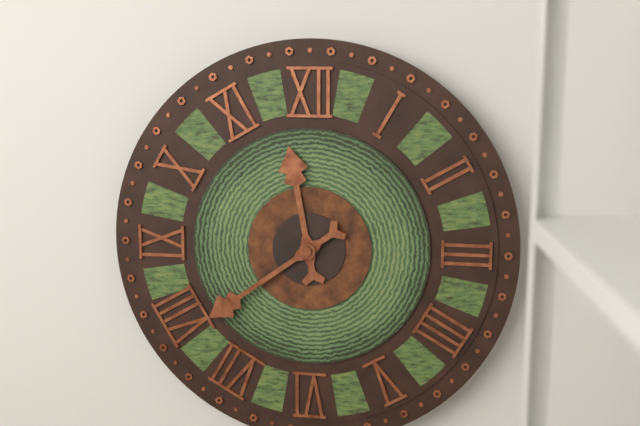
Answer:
{"hour": 11, "minute": 39}
